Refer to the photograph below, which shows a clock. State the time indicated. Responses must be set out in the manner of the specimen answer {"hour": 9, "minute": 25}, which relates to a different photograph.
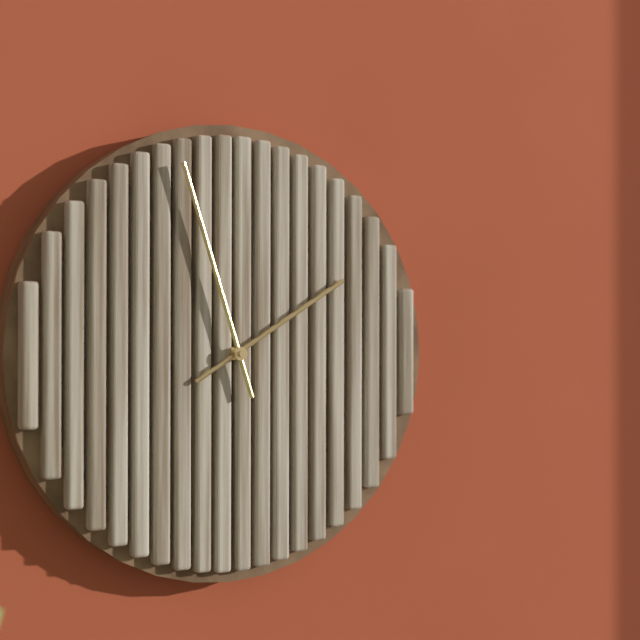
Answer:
{"hour": 1, "minute": 57}
